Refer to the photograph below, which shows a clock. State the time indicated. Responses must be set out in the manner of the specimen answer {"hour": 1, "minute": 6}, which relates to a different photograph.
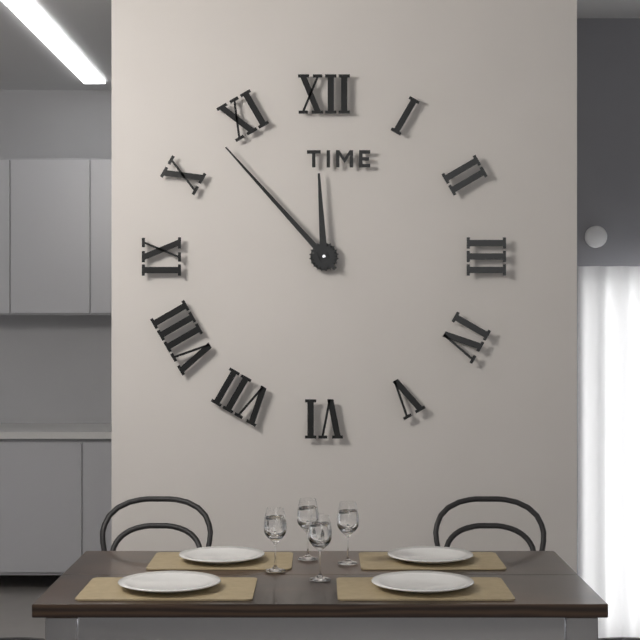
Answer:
{"hour": 11, "minute": 53}
